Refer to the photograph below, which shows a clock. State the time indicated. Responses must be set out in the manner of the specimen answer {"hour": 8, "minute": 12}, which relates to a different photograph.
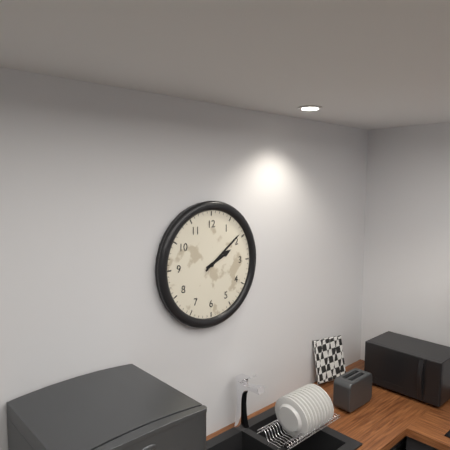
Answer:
{"hour": 2, "minute": 9}
